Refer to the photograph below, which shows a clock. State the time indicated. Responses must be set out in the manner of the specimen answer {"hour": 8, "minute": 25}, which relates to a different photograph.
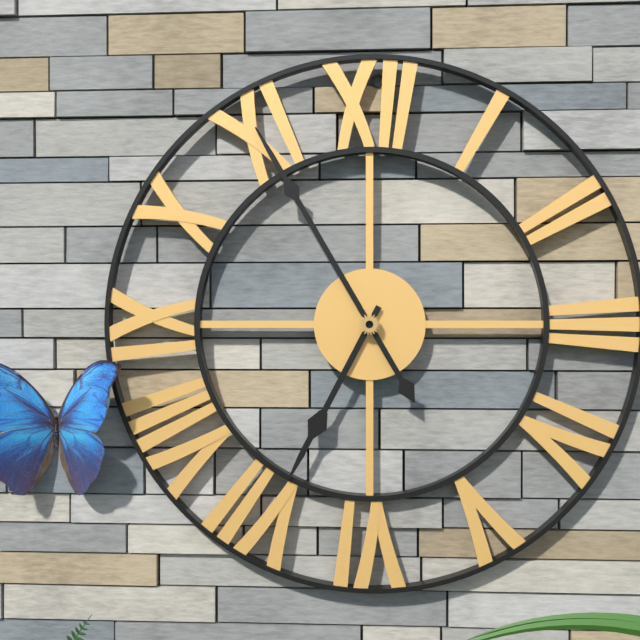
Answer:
{"hour": 6, "minute": 55}
